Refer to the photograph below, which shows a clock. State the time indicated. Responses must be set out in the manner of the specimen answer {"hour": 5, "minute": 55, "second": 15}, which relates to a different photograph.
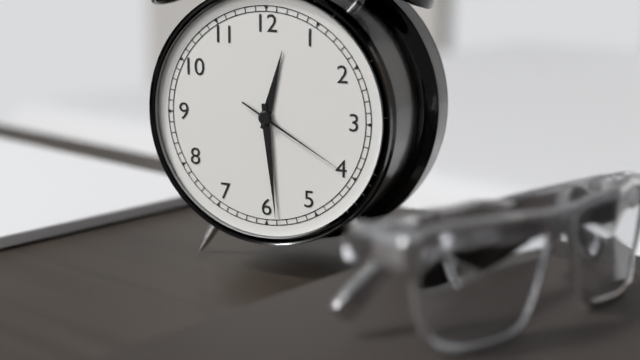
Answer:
{"hour": 12, "minute": 29, "second": 20}
